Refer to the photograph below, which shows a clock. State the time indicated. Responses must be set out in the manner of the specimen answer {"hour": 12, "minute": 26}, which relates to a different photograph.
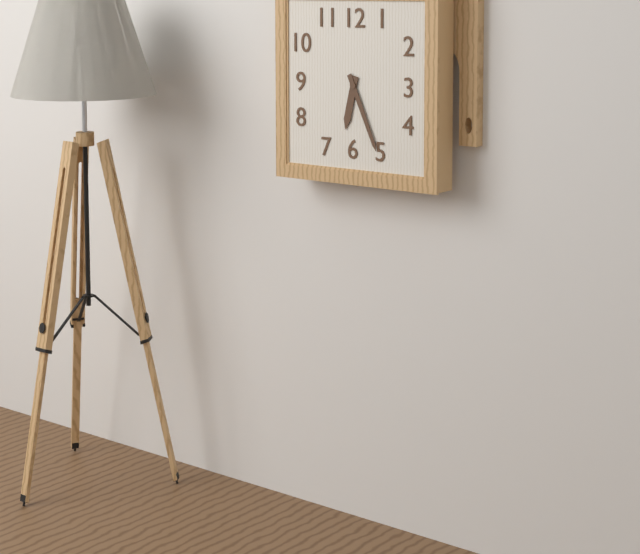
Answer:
{"hour": 6, "minute": 26}
